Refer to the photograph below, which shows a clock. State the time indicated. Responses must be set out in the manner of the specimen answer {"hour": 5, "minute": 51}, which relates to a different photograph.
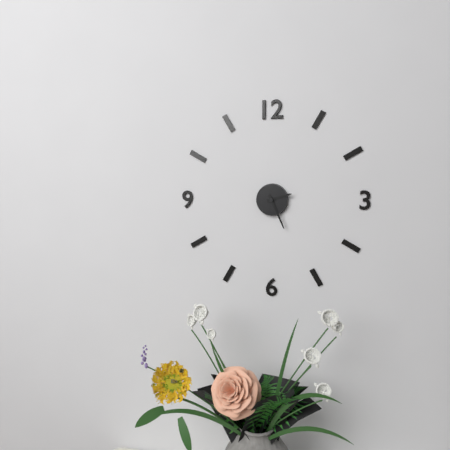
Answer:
{"hour": 2, "minute": 26}
